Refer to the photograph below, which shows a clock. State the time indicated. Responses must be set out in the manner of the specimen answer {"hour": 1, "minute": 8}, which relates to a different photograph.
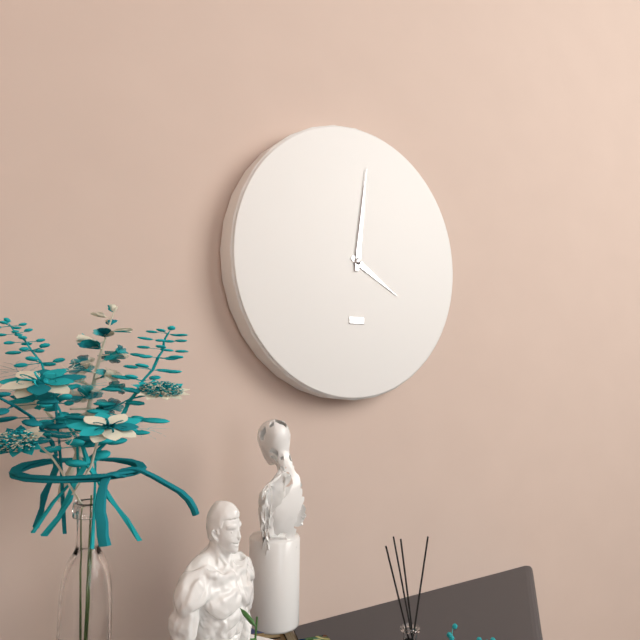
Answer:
{"hour": 4, "minute": 1}
